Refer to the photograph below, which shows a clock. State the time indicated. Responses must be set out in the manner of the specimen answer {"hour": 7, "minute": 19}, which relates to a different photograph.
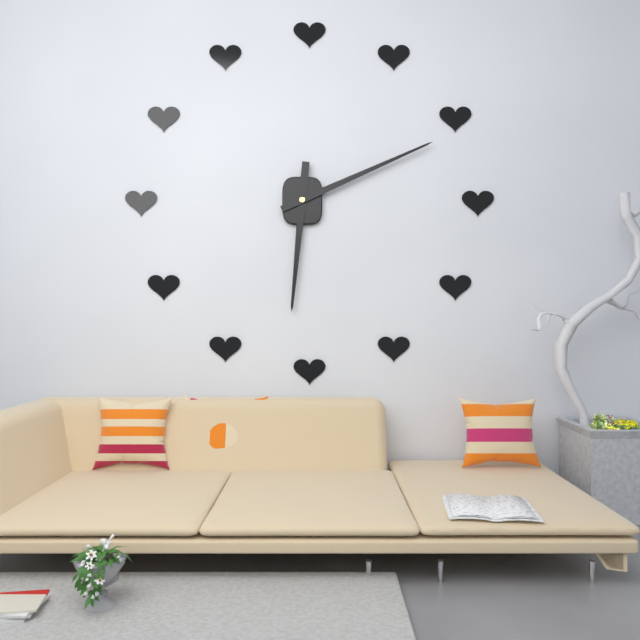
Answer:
{"hour": 6, "minute": 11}
